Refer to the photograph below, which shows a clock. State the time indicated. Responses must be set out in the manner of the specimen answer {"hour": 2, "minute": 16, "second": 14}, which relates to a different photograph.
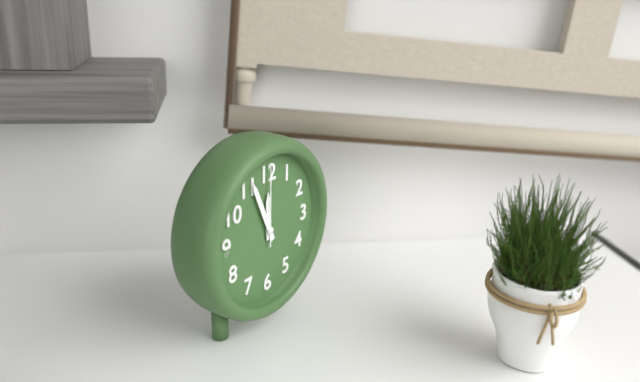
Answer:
{"hour": 11, "minute": 56, "second": 0}
